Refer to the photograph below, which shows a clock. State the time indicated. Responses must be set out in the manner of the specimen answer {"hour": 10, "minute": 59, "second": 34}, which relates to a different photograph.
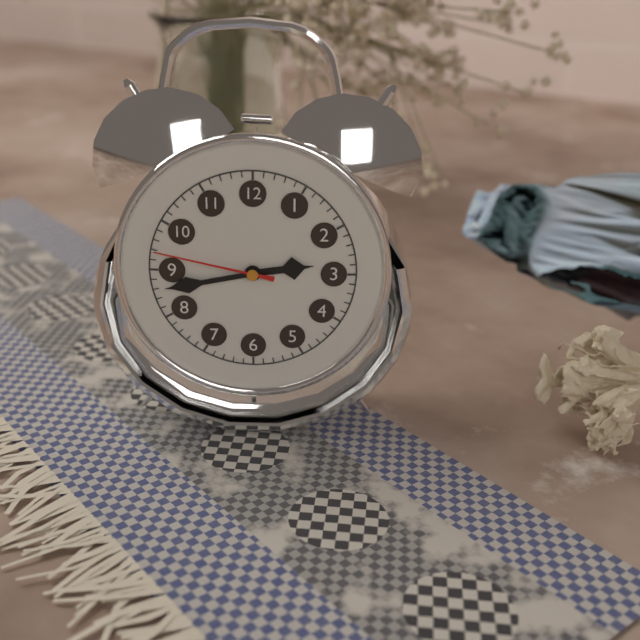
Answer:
{"hour": 2, "minute": 43, "second": 47}
